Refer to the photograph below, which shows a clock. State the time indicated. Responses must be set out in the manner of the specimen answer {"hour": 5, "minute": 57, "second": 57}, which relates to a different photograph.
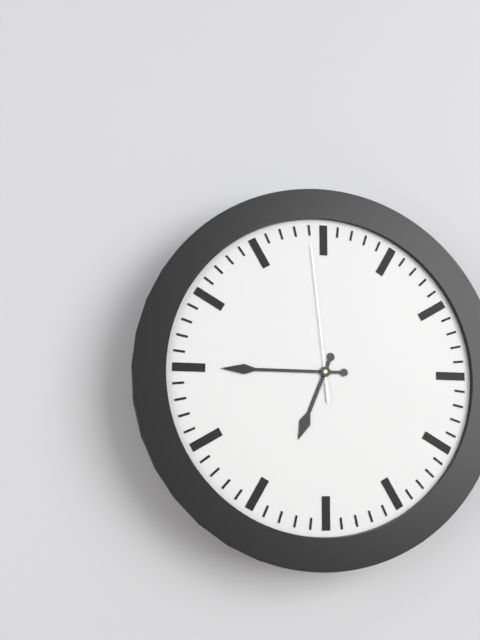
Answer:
{"hour": 6, "minute": 45, "second": 59}
